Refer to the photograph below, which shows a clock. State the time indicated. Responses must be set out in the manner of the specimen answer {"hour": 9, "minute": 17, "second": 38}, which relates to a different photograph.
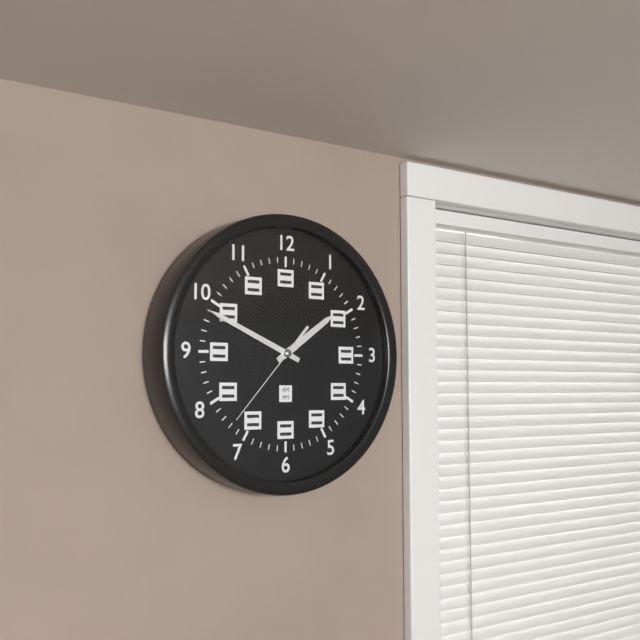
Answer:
{"hour": 1, "minute": 49, "second": 37}
